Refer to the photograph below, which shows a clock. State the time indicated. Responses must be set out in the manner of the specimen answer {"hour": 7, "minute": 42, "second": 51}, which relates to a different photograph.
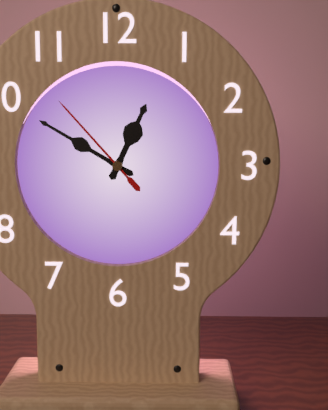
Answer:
{"hour": 12, "minute": 50, "second": 53}
